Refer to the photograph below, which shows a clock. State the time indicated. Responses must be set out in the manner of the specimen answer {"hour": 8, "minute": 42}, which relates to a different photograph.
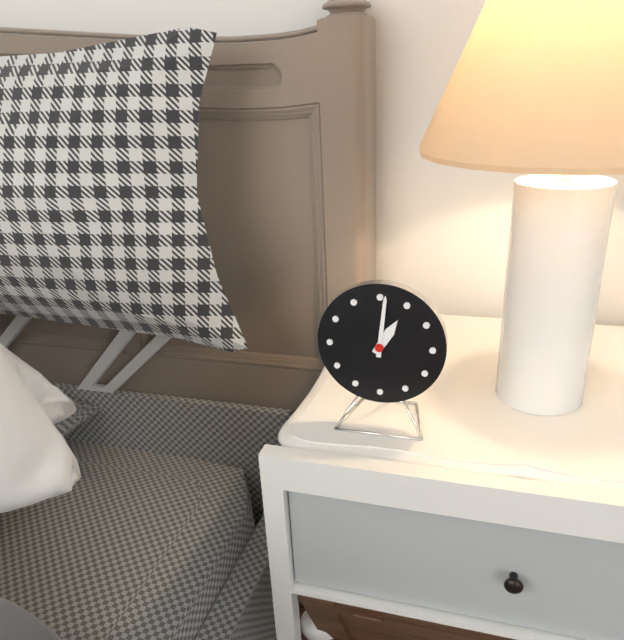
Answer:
{"hour": 1, "minute": 1}
